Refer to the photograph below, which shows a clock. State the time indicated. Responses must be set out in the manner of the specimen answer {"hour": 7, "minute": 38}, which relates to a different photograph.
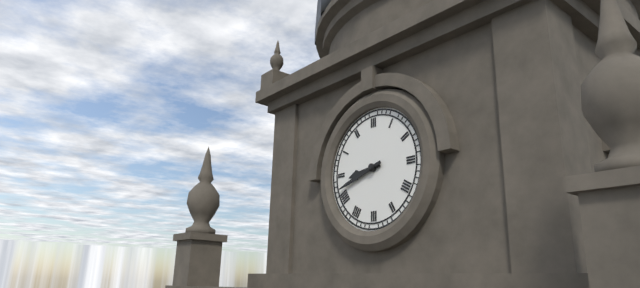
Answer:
{"hour": 8, "minute": 42}
